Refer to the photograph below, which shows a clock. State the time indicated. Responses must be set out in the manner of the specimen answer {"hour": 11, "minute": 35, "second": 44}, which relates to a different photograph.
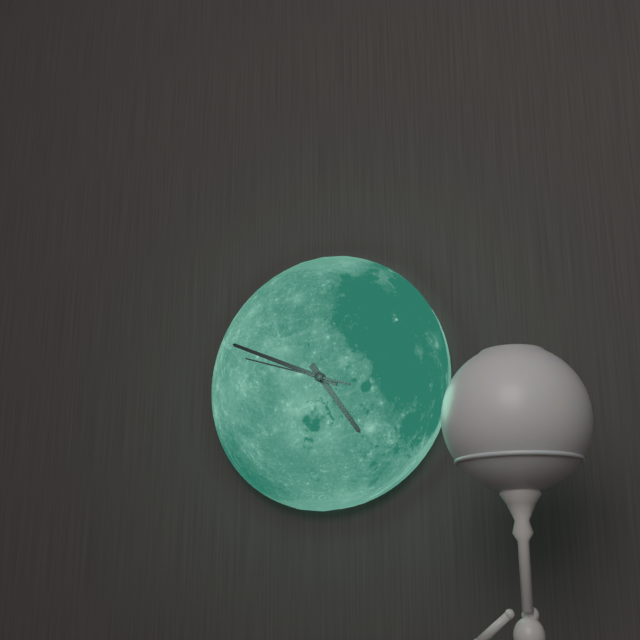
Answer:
{"hour": 4, "minute": 49, "second": 48}
